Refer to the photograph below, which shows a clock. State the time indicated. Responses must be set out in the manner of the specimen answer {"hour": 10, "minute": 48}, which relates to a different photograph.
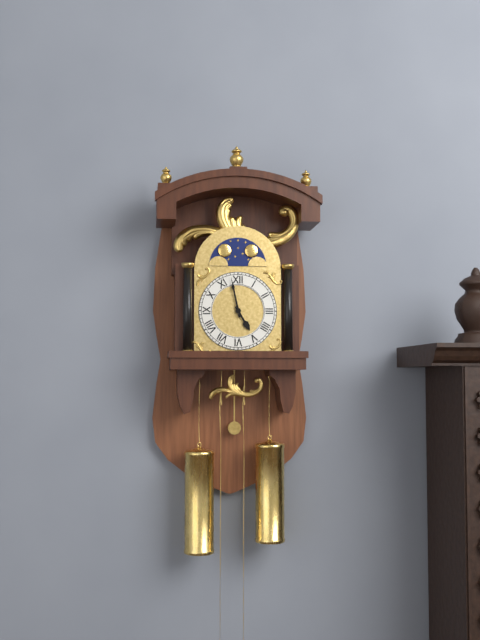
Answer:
{"hour": 4, "minute": 58}
